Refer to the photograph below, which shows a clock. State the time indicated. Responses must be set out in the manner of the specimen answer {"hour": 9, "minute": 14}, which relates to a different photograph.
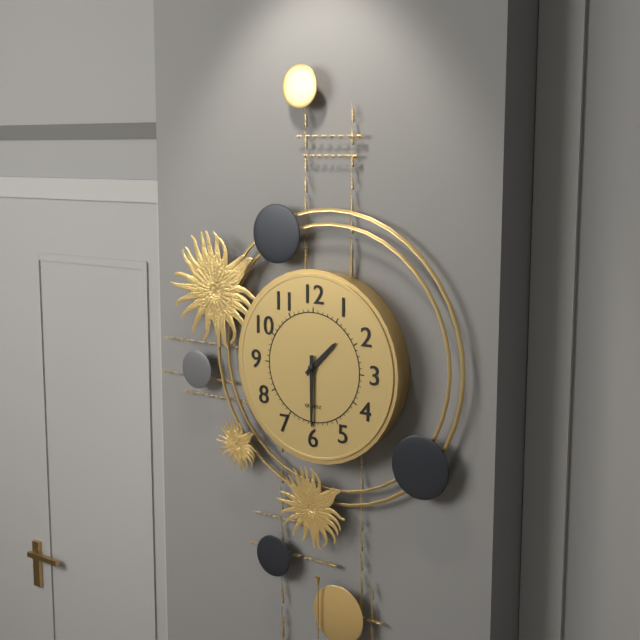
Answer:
{"hour": 1, "minute": 30}
